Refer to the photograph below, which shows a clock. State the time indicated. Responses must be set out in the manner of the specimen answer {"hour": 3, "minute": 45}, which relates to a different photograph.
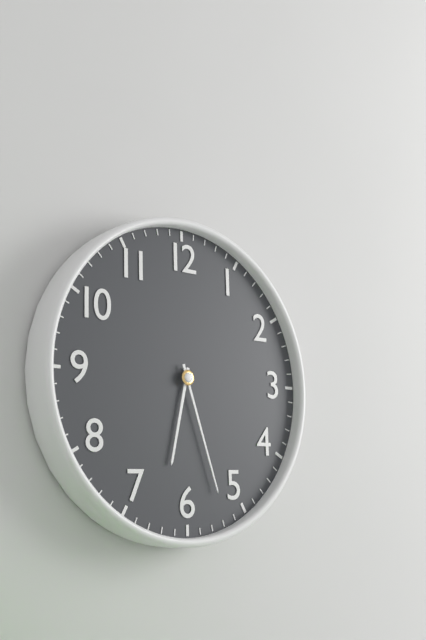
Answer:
{"hour": 6, "minute": 27}
